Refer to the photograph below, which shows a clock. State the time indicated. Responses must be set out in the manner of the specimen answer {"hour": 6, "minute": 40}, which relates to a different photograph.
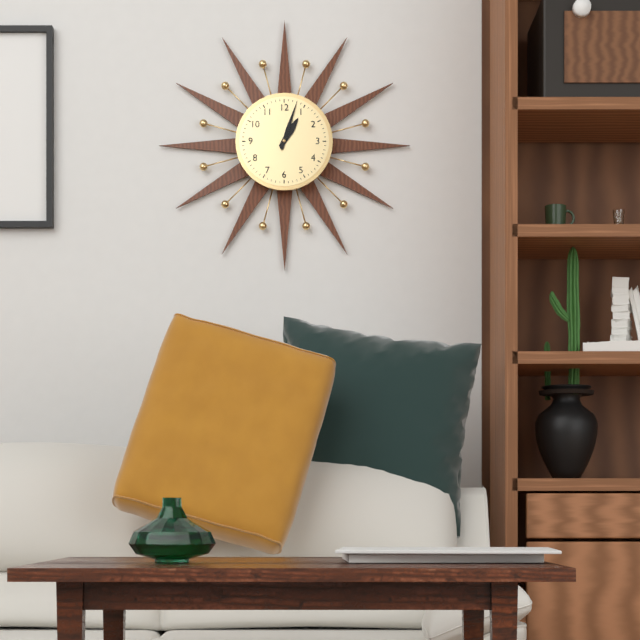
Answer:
{"hour": 1, "minute": 3}
